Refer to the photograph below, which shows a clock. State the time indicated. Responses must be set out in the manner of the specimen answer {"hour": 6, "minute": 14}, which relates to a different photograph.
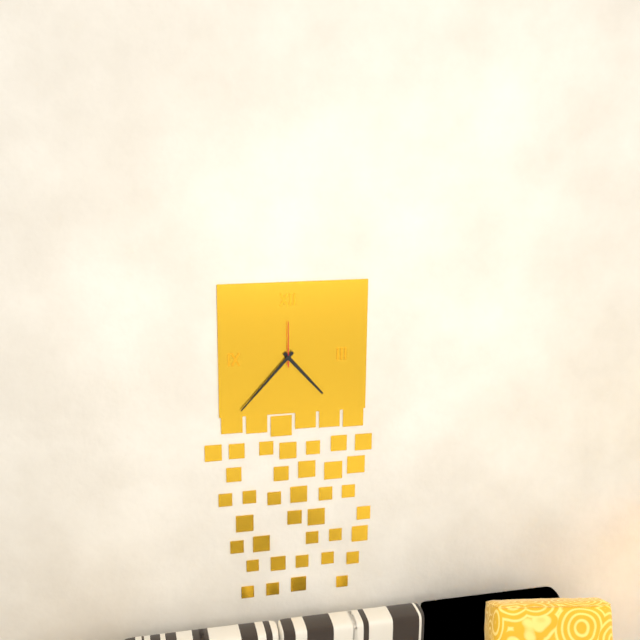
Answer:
{"hour": 4, "minute": 37}
